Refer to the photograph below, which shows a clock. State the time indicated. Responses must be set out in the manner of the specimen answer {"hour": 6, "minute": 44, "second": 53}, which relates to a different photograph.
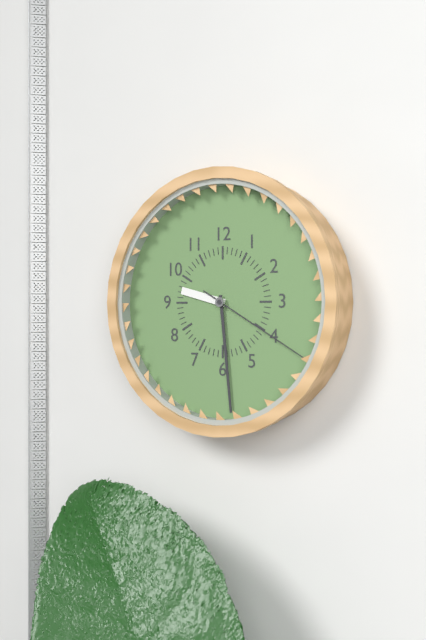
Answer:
{"hour": 9, "minute": 29, "second": 20}
